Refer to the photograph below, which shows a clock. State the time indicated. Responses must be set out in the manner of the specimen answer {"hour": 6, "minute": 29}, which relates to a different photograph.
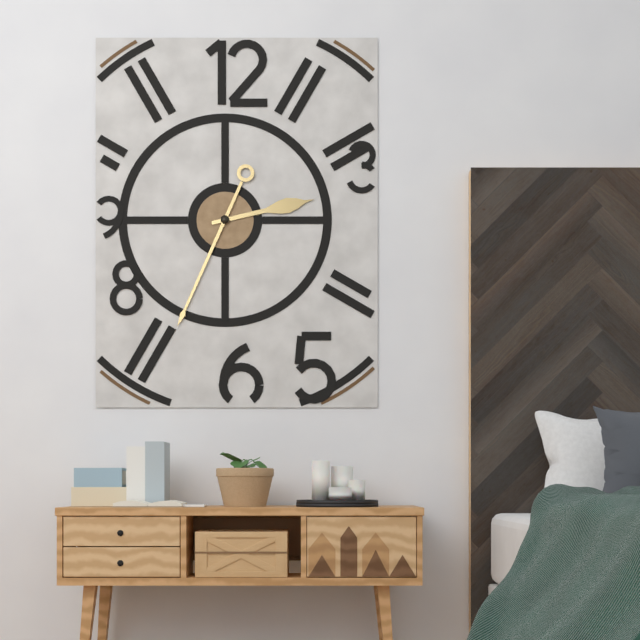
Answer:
{"hour": 2, "minute": 34}
